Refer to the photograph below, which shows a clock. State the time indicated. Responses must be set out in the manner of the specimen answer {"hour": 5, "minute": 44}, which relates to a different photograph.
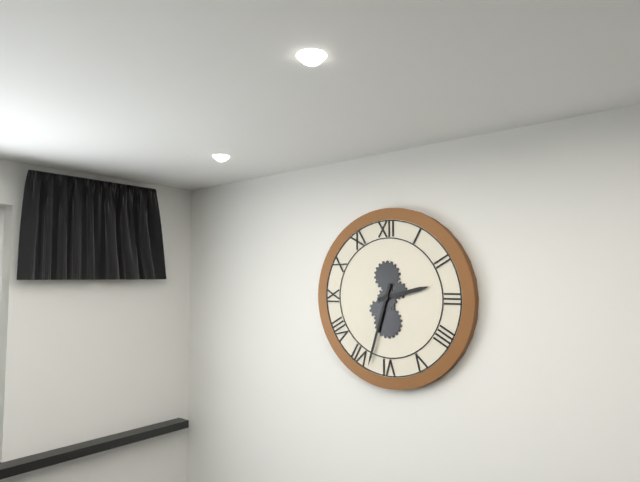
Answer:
{"hour": 2, "minute": 33}
